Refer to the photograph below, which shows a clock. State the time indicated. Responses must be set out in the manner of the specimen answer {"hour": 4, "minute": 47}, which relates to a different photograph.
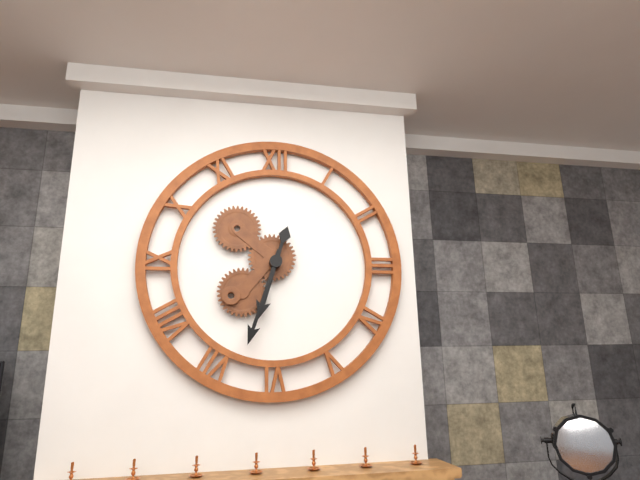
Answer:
{"hour": 6, "minute": 33}
